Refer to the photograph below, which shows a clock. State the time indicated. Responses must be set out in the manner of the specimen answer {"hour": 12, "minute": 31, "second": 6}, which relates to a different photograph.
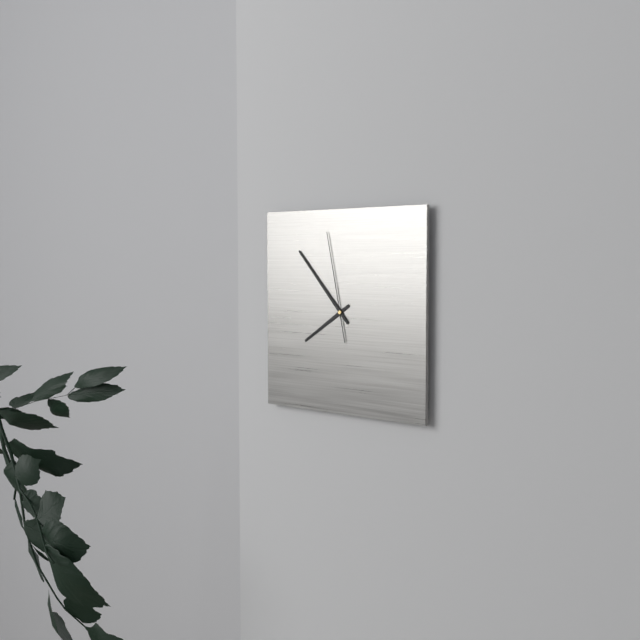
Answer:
{"hour": 7, "minute": 53, "second": 58}
